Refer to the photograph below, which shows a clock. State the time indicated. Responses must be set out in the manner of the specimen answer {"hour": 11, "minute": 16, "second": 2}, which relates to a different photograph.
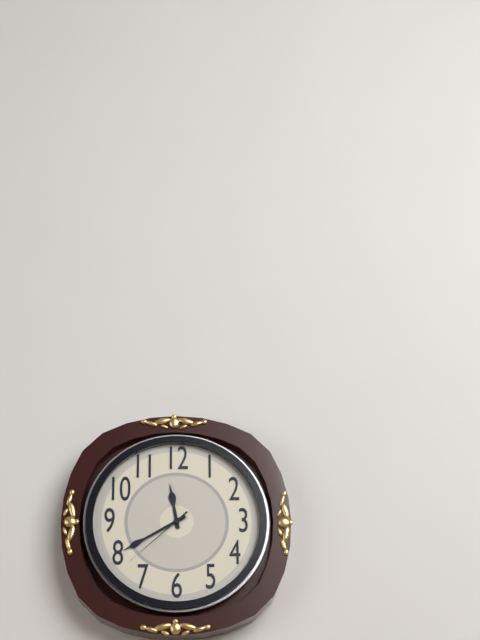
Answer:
{"hour": 11, "minute": 40, "second": 38}
